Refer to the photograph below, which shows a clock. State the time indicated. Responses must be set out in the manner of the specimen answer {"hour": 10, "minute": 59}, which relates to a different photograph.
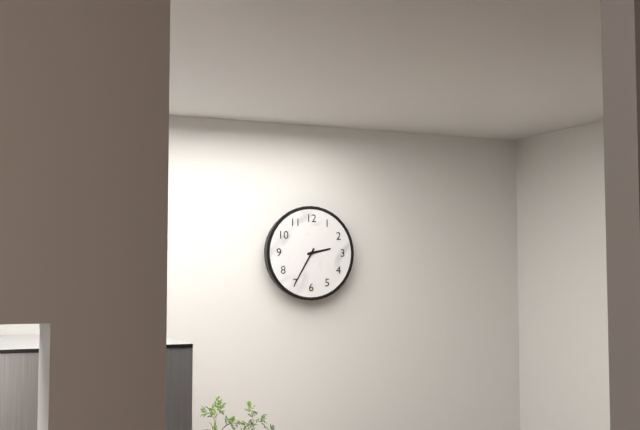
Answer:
{"hour": 2, "minute": 35}
